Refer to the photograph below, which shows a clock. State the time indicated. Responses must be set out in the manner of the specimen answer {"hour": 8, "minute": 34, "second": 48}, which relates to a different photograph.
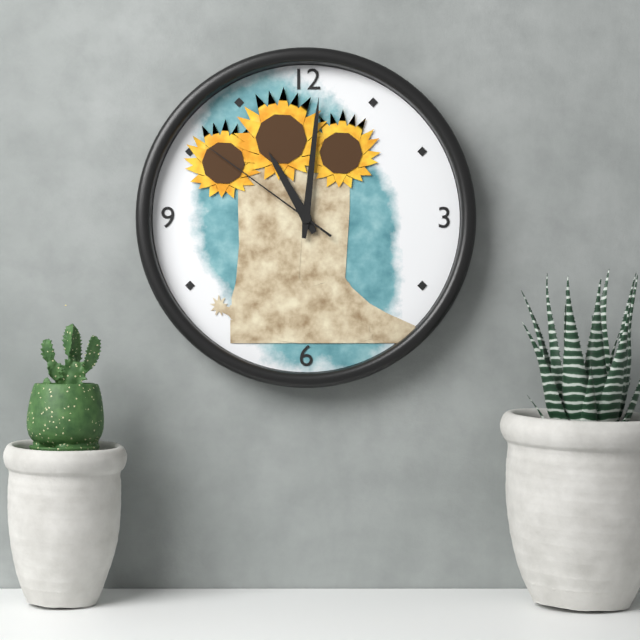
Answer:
{"hour": 11, "minute": 1, "second": 51}
